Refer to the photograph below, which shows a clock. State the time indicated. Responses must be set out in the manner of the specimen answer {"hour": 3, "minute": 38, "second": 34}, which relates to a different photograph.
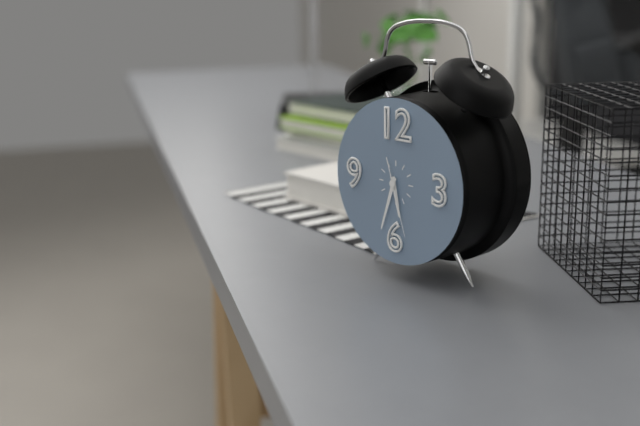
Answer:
{"hour": 5, "minute": 33, "second": 27}
